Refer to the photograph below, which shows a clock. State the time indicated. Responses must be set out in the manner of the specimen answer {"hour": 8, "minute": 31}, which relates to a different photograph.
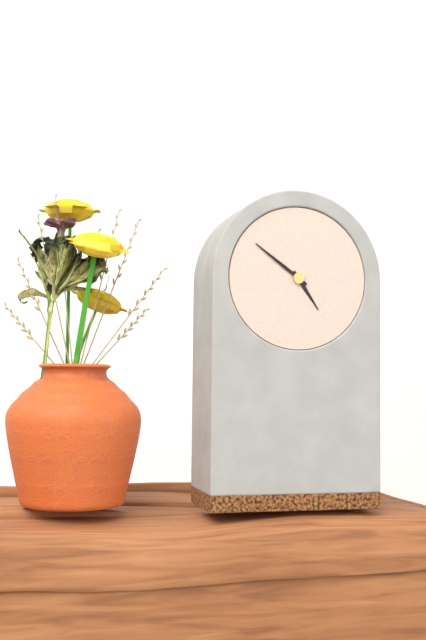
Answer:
{"hour": 4, "minute": 51}
